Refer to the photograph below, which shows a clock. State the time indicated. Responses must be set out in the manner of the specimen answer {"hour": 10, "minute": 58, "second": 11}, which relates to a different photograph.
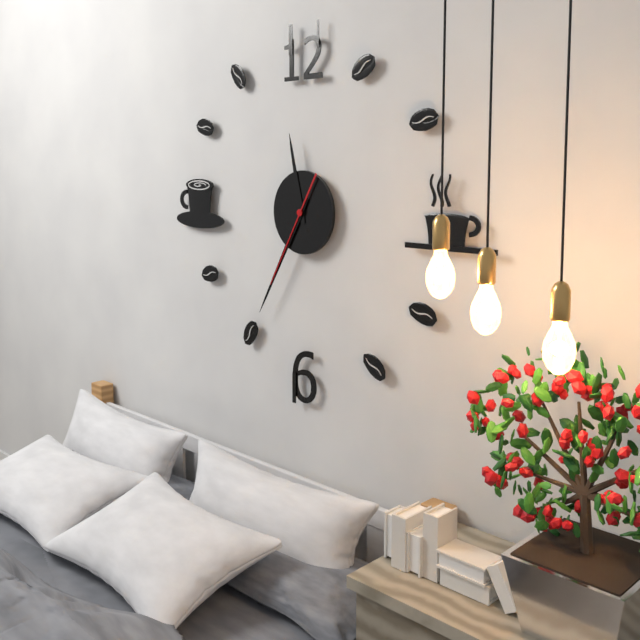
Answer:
{"hour": 11, "minute": 35, "second": 35}
